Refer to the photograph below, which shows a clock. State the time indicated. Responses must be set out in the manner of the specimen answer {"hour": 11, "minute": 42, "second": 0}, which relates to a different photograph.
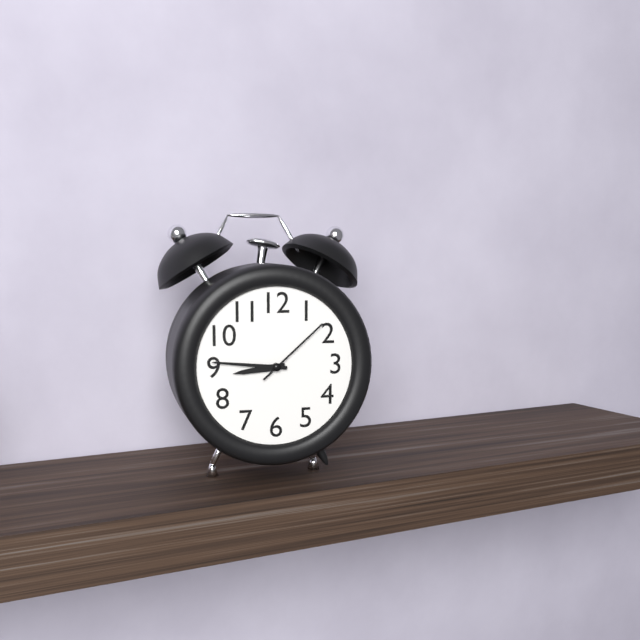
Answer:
{"hour": 8, "minute": 46, "second": 8}
